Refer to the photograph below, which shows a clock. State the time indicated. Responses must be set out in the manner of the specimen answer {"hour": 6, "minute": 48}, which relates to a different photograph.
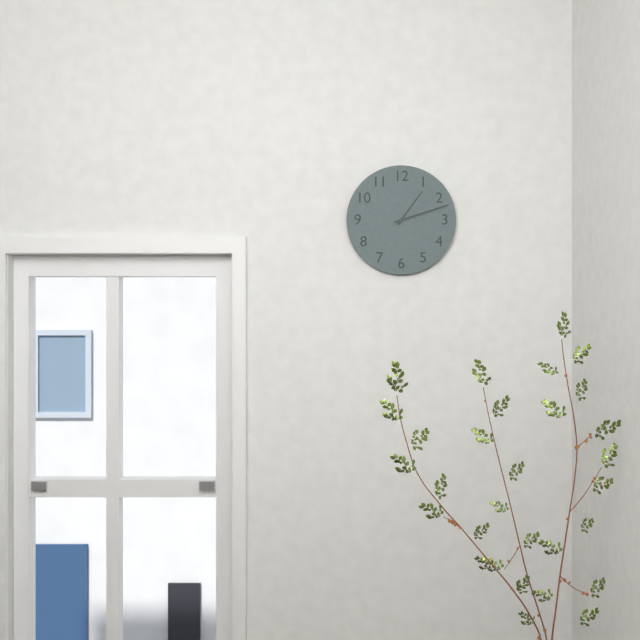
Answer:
{"hour": 1, "minute": 12}
